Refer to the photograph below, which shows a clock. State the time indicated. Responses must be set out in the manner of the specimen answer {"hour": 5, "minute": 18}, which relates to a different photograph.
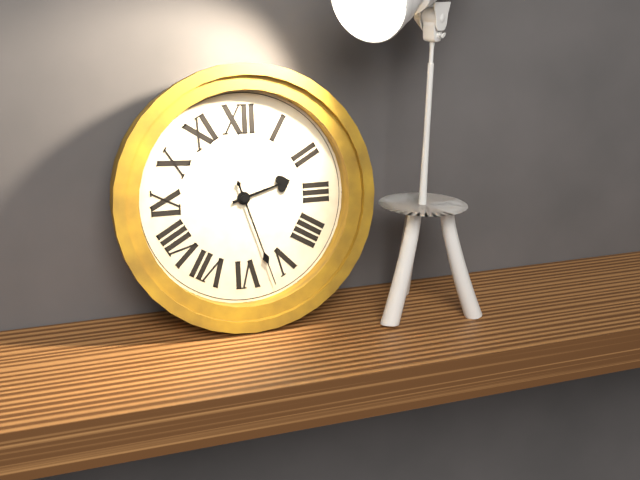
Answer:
{"hour": 2, "minute": 27}
